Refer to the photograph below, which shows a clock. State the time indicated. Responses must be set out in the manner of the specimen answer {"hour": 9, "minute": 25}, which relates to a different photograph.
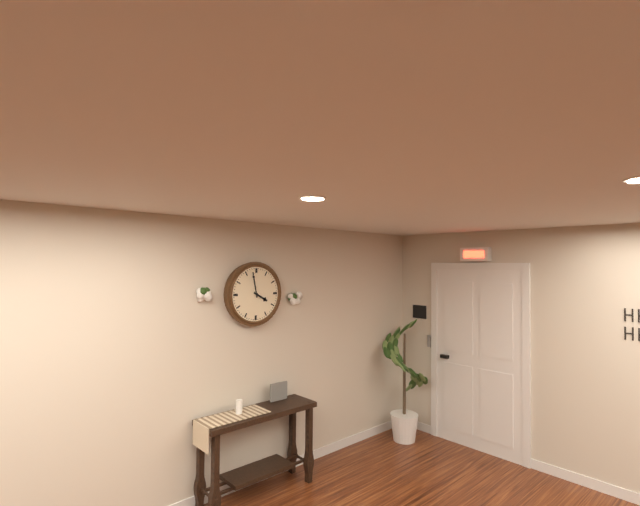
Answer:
{"hour": 3, "minute": 58}
